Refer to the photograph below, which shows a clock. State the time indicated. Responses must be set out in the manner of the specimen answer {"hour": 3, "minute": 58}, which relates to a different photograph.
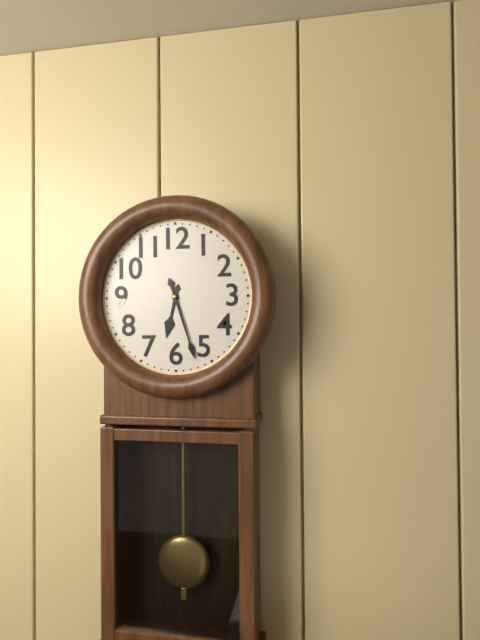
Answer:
{"hour": 6, "minute": 27}
